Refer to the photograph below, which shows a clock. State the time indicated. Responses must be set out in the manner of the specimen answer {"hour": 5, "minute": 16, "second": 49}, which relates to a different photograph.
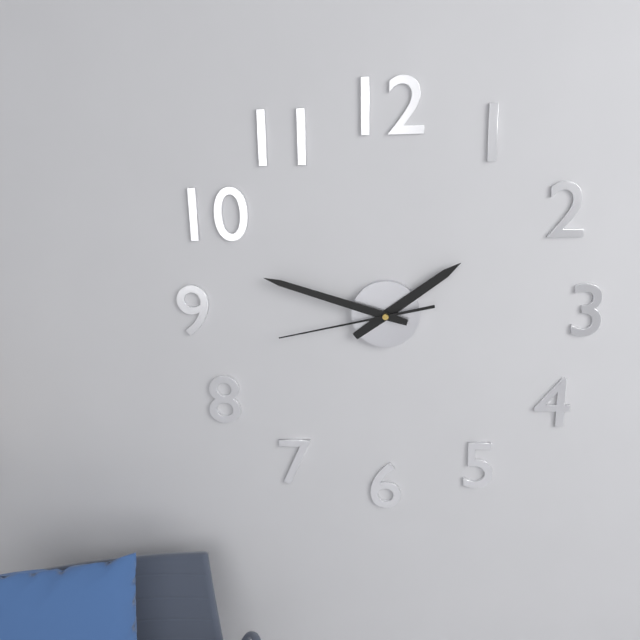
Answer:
{"hour": 1, "minute": 48, "second": 43}
